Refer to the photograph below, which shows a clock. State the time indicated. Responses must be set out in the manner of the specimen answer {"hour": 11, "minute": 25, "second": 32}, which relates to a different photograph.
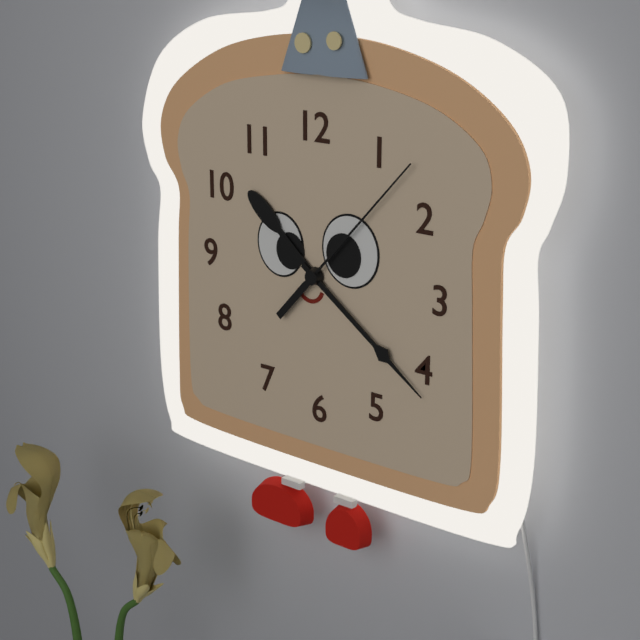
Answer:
{"hour": 10, "minute": 21, "second": 7}
